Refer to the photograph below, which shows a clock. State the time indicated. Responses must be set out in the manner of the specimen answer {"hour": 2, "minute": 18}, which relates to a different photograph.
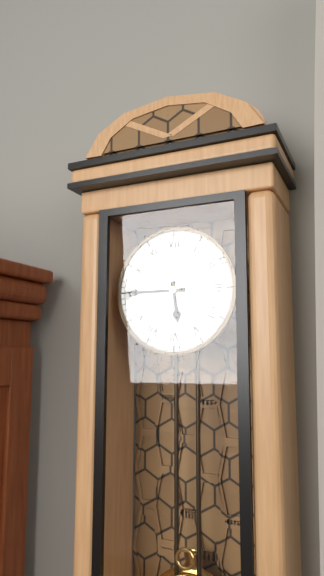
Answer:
{"hour": 5, "minute": 45}
